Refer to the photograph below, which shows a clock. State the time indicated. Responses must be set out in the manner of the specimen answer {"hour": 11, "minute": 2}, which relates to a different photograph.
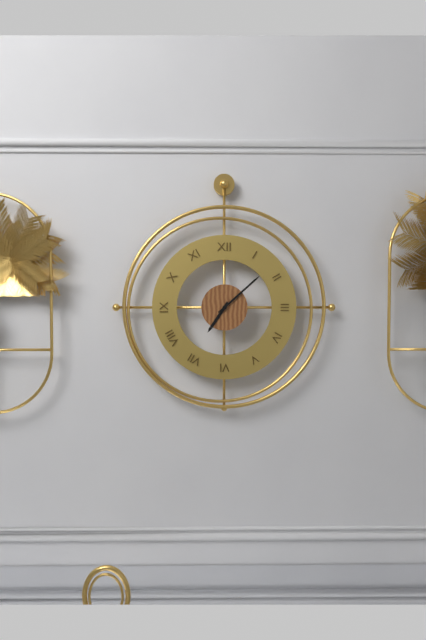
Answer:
{"hour": 7, "minute": 8}
